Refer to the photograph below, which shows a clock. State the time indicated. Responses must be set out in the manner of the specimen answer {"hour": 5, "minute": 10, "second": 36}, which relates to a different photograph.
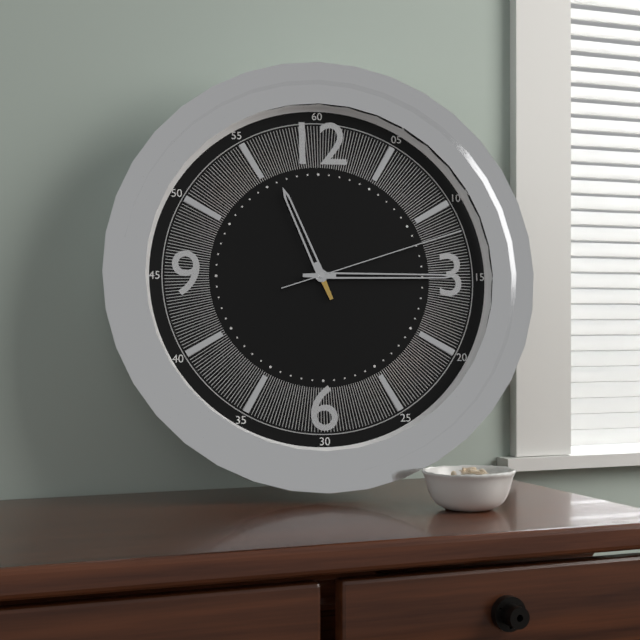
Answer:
{"hour": 11, "minute": 15, "second": 12}
